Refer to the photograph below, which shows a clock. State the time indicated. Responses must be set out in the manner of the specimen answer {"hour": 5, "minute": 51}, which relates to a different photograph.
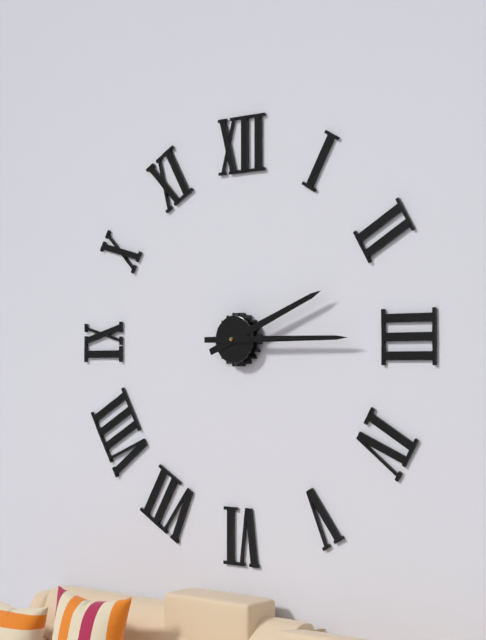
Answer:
{"hour": 2, "minute": 15}
